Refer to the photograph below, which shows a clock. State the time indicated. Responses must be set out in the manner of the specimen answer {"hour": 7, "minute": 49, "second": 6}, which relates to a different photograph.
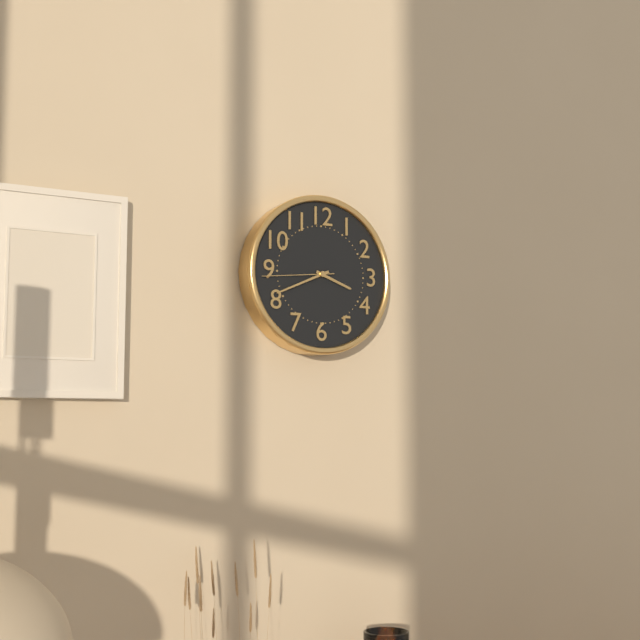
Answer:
{"hour": 3, "minute": 41, "second": 44}
